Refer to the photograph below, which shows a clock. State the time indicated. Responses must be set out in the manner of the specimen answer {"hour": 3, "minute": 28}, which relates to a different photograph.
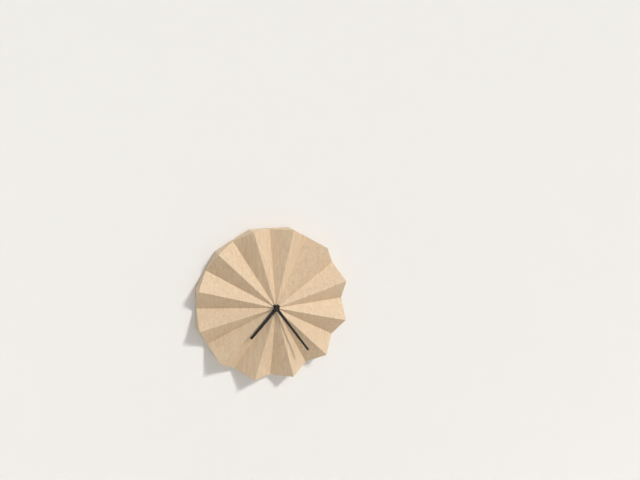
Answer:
{"hour": 7, "minute": 24}
